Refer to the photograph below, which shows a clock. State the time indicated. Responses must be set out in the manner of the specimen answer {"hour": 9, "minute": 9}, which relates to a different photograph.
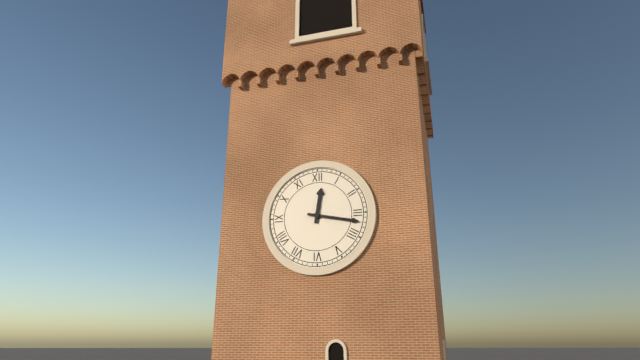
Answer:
{"hour": 12, "minute": 17}
